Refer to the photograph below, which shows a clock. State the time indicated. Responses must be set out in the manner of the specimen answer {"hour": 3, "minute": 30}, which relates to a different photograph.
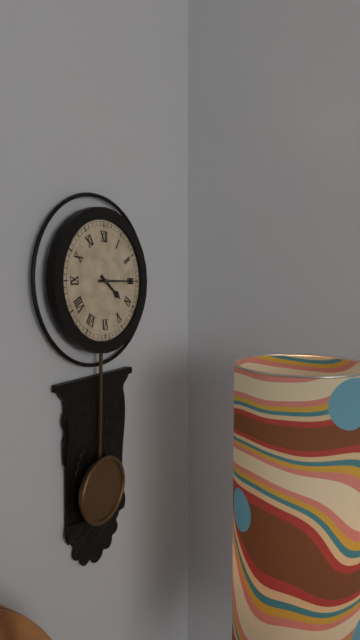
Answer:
{"hour": 4, "minute": 15}
